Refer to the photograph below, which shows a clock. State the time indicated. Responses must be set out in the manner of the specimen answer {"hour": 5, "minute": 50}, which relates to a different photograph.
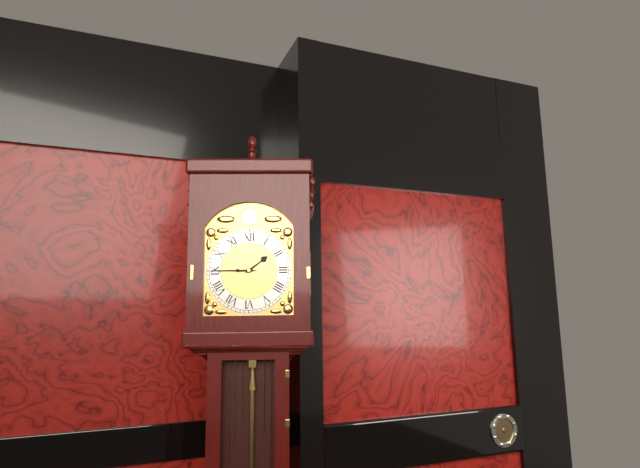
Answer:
{"hour": 1, "minute": 45}
